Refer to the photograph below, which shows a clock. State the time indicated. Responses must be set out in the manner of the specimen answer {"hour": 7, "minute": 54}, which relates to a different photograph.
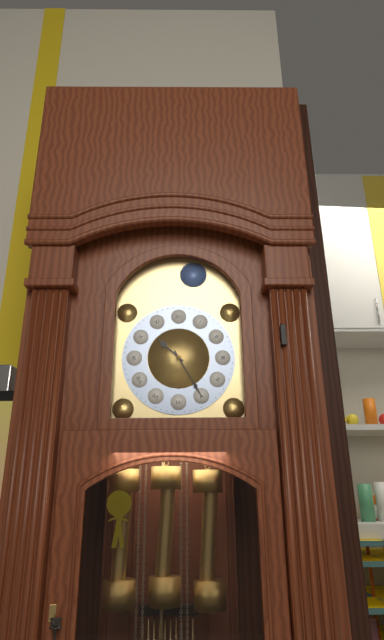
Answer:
{"hour": 10, "minute": 25}
